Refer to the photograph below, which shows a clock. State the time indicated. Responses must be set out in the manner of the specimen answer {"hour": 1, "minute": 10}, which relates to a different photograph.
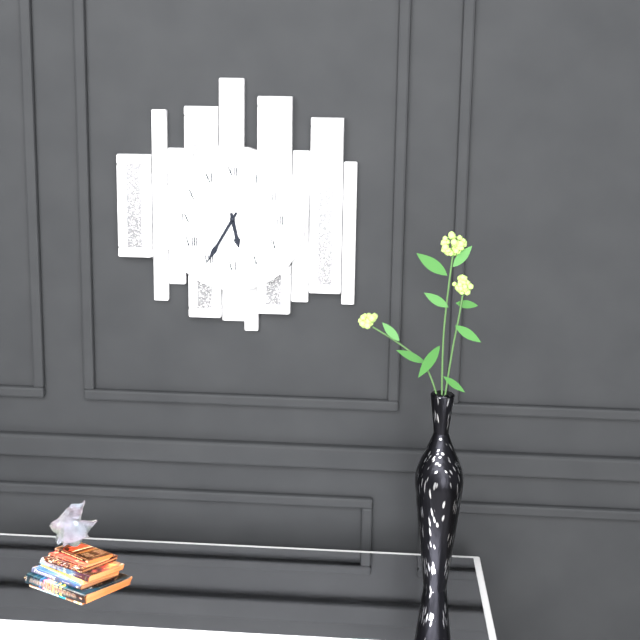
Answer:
{"hour": 5, "minute": 35}
